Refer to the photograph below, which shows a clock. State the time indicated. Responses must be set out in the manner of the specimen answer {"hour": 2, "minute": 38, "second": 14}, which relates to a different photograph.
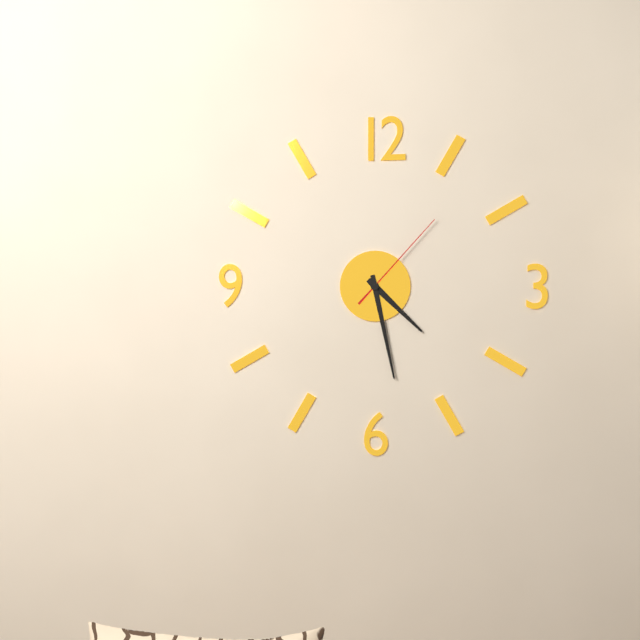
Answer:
{"hour": 4, "minute": 28, "second": 7}
